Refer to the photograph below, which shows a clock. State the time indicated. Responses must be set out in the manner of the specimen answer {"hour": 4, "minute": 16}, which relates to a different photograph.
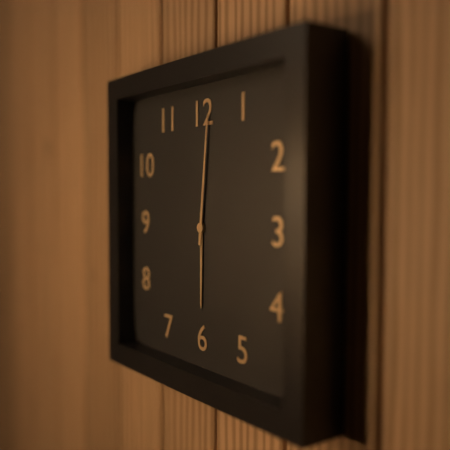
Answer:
{"hour": 6, "minute": 1}
